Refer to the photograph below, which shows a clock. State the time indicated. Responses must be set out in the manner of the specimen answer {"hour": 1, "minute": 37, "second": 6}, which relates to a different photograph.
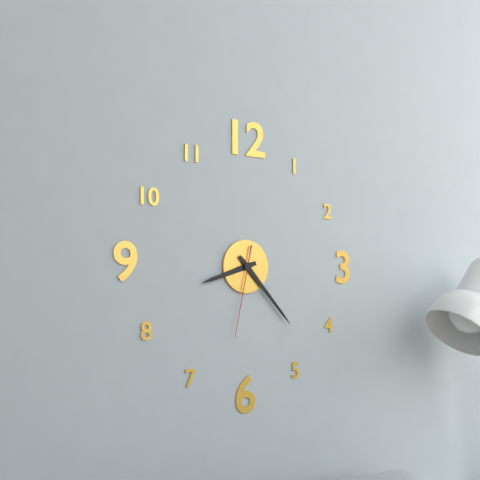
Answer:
{"hour": 8, "minute": 23, "second": 32}
